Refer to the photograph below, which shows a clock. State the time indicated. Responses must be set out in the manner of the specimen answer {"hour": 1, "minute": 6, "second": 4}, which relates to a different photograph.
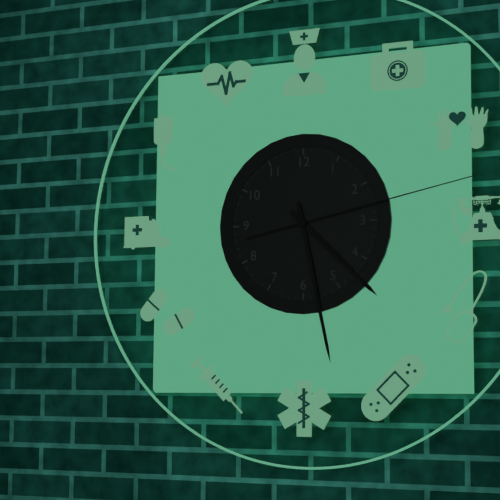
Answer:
{"hour": 4, "minute": 28, "second": 13}
